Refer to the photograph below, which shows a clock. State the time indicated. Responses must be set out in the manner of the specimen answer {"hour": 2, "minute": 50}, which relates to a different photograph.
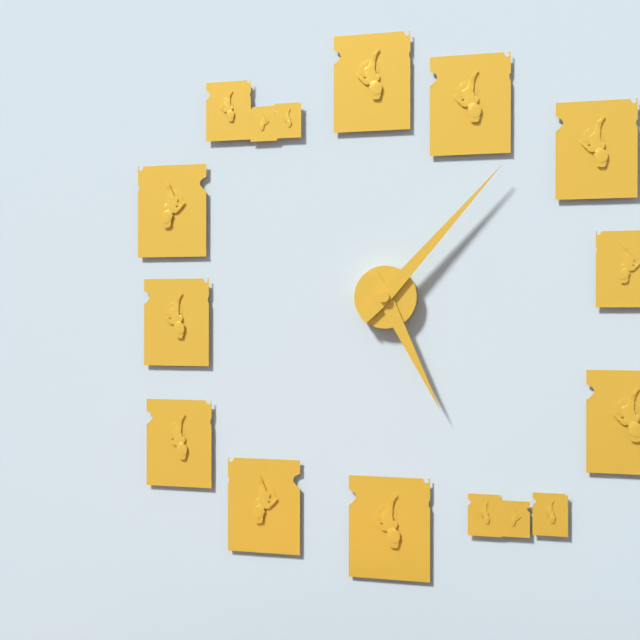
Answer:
{"hour": 5, "minute": 7}
